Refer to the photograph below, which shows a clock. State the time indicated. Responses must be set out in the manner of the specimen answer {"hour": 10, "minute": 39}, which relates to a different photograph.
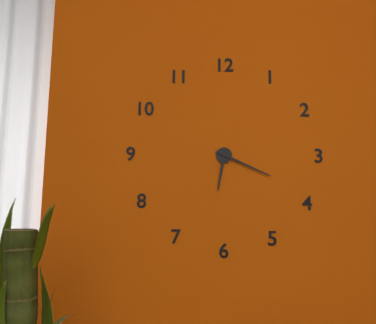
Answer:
{"hour": 6, "minute": 19}
